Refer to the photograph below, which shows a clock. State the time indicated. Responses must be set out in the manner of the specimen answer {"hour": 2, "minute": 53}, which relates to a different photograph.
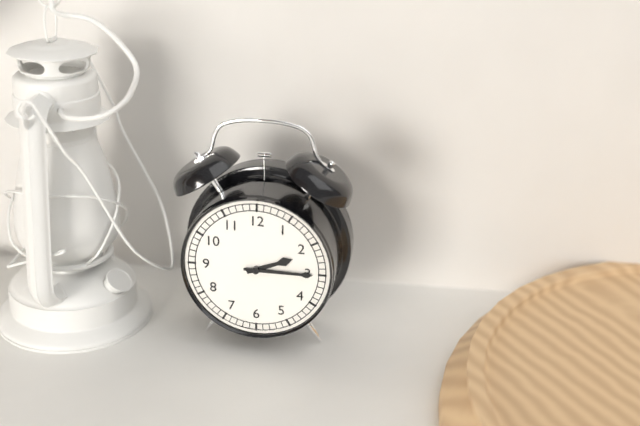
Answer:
{"hour": 2, "minute": 15}
